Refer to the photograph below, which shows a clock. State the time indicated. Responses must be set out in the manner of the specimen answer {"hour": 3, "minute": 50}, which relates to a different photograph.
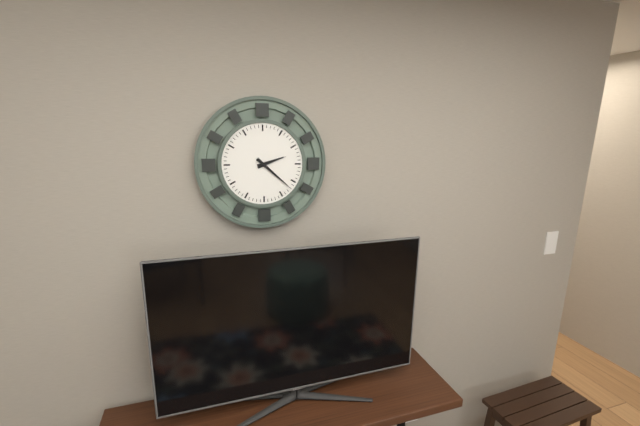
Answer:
{"hour": 2, "minute": 22}
